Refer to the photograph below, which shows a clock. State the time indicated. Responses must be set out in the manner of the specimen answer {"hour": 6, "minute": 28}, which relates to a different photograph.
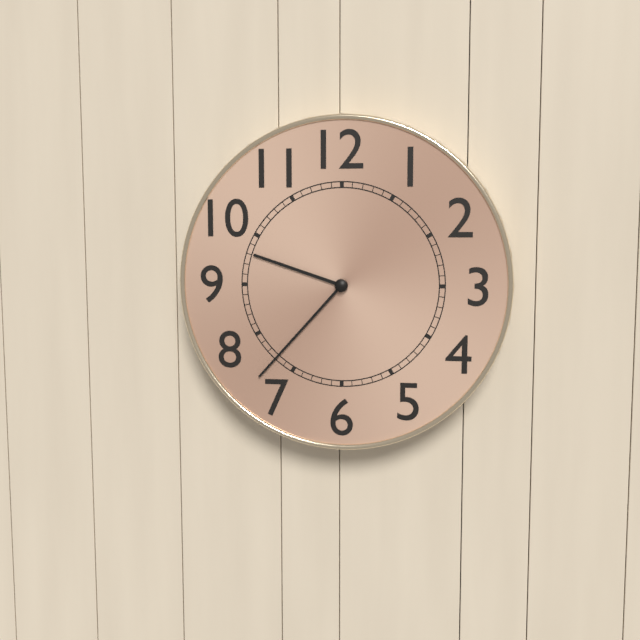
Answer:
{"hour": 9, "minute": 37}
